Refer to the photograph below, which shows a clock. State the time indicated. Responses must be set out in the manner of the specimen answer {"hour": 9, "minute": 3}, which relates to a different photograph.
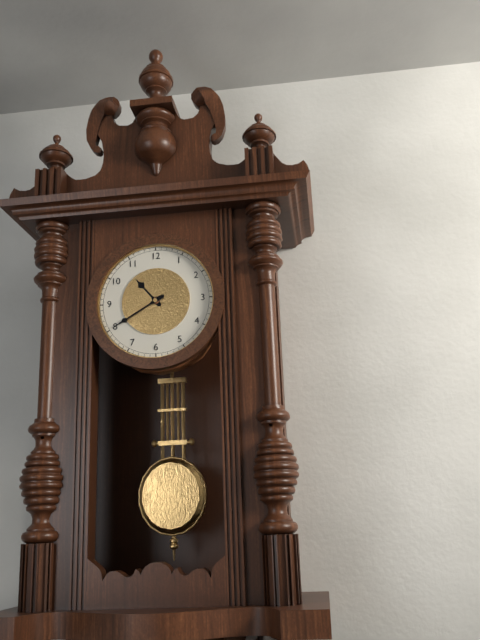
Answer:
{"hour": 10, "minute": 40}
